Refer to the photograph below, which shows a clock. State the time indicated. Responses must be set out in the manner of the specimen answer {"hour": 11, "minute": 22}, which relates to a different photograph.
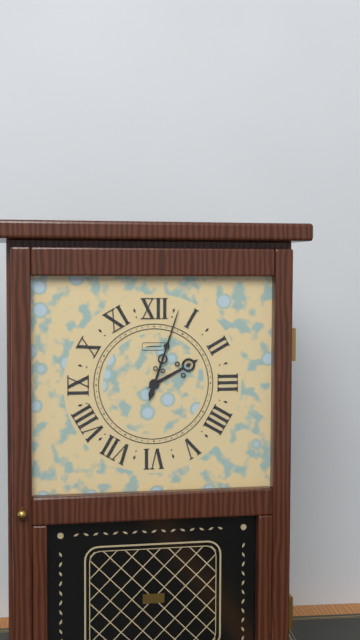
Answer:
{"hour": 2, "minute": 3}
